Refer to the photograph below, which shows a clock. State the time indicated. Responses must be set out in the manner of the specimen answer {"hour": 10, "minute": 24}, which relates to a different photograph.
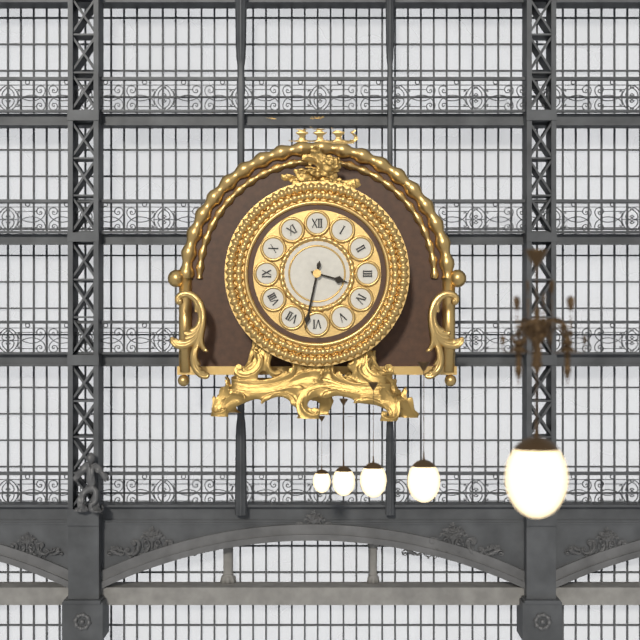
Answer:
{"hour": 3, "minute": 32}
